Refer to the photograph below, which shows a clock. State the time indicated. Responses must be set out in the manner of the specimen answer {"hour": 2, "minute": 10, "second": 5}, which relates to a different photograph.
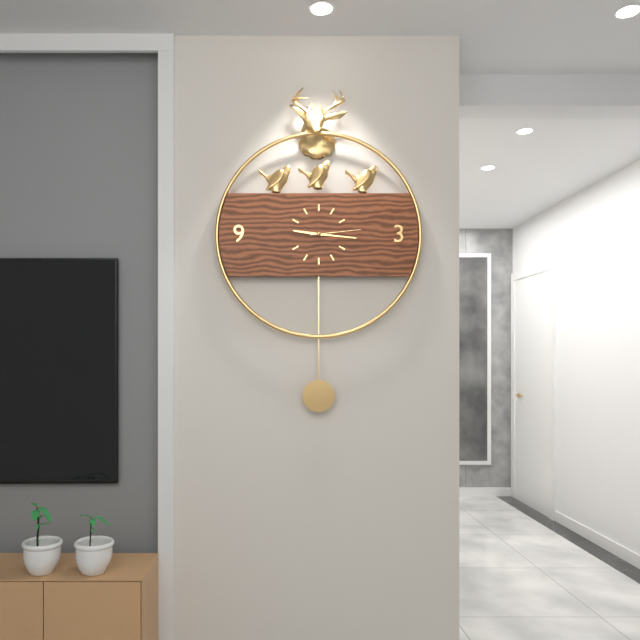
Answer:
{"hour": 9, "minute": 16, "second": 14}
